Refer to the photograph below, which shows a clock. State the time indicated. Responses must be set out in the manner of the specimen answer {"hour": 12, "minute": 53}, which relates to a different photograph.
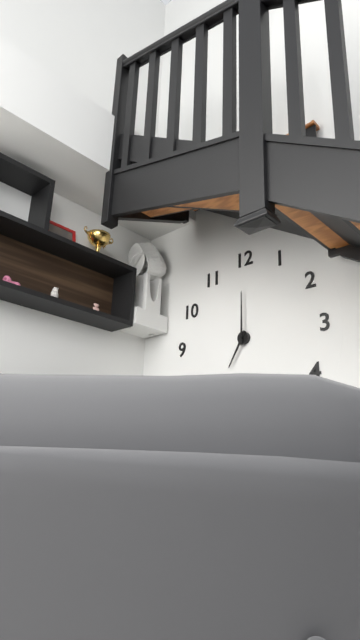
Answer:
{"hour": 7, "minute": 0}
